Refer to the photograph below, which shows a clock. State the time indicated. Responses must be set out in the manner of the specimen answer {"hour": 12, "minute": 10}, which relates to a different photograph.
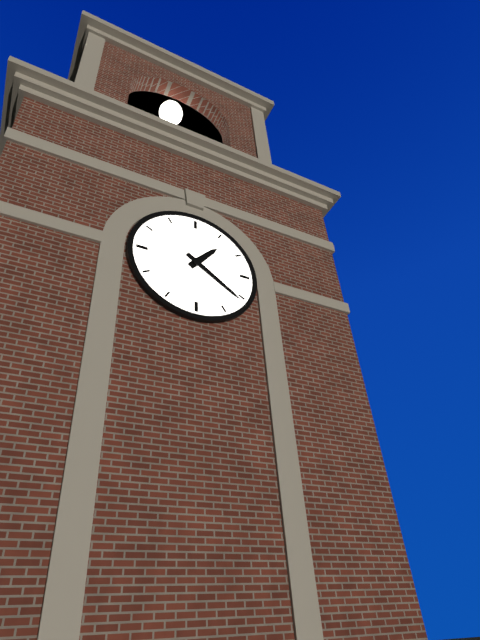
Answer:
{"hour": 1, "minute": 21}
